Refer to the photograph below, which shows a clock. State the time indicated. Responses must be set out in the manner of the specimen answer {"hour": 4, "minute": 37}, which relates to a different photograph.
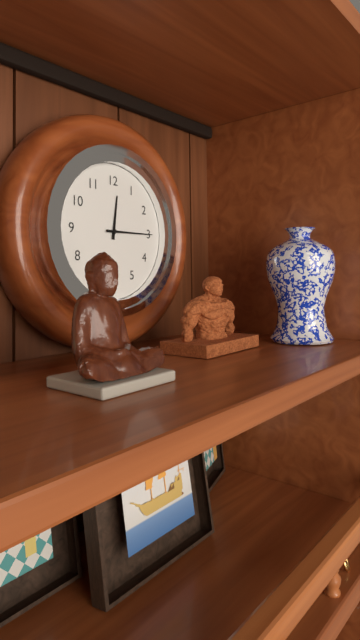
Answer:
{"hour": 12, "minute": 15}
